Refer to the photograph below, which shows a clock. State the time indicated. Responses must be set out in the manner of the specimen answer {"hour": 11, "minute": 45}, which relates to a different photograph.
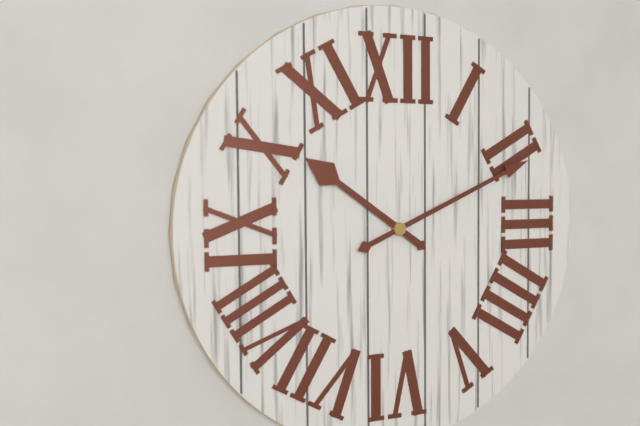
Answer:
{"hour": 10, "minute": 11}
